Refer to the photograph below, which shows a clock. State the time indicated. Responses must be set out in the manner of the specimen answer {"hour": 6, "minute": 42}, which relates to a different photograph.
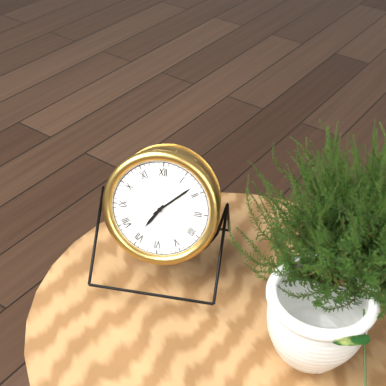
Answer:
{"hour": 7, "minute": 8}
